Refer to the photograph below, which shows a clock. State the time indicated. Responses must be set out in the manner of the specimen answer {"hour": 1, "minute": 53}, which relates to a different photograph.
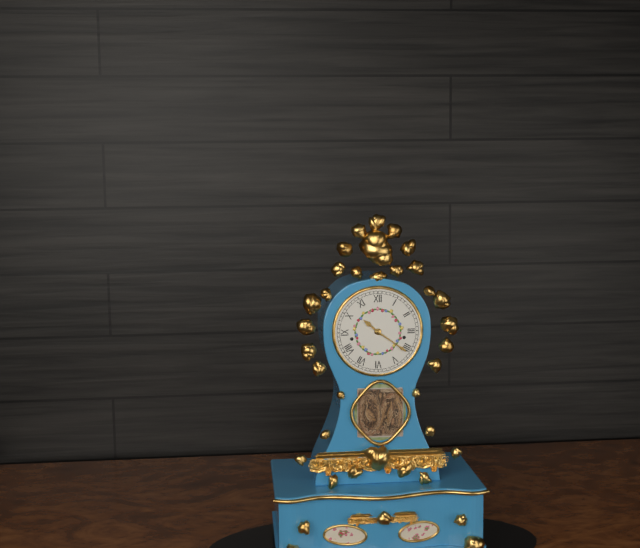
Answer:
{"hour": 10, "minute": 21}
